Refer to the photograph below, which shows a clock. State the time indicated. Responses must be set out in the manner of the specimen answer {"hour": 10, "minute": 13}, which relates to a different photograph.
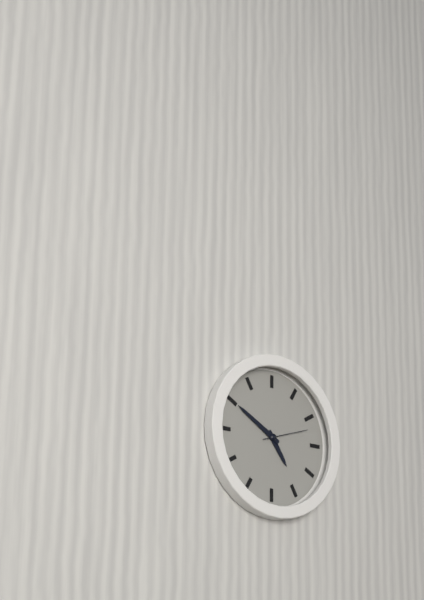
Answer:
{"hour": 4, "minute": 50}
